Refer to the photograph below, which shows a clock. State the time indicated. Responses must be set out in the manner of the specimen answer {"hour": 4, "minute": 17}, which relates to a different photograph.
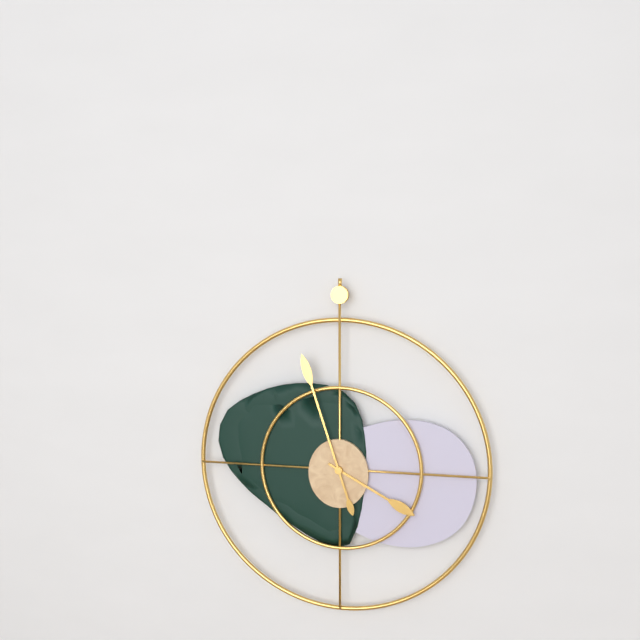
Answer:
{"hour": 3, "minute": 57}
